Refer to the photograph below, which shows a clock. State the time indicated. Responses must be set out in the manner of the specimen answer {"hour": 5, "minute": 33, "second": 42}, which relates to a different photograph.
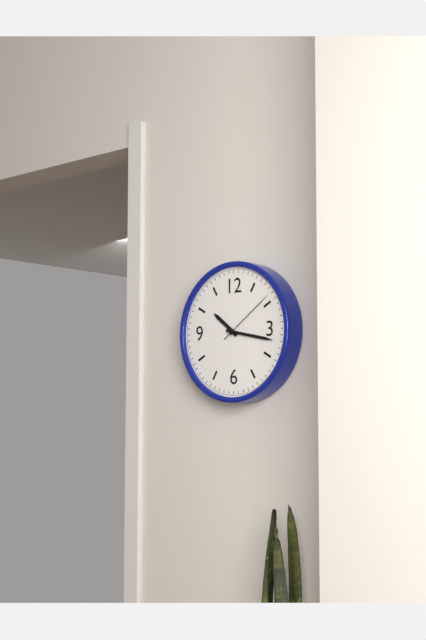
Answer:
{"hour": 10, "minute": 17, "second": 9}
